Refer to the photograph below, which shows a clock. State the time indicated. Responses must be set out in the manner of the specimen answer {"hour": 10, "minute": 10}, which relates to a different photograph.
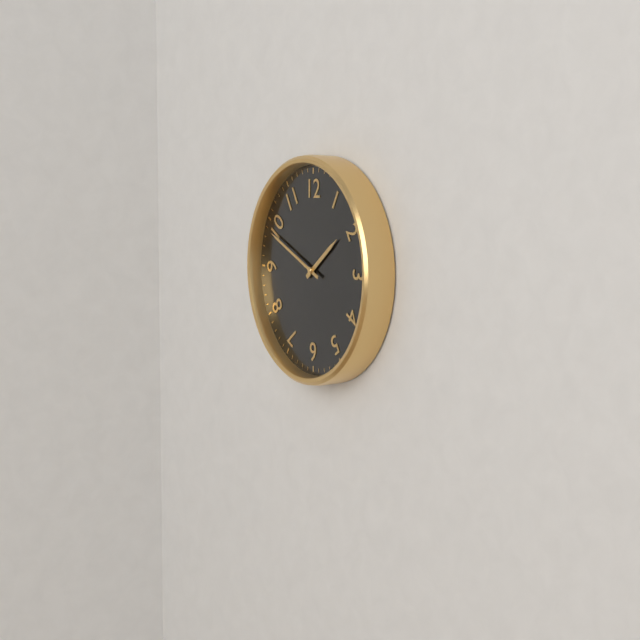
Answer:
{"hour": 1, "minute": 49}
